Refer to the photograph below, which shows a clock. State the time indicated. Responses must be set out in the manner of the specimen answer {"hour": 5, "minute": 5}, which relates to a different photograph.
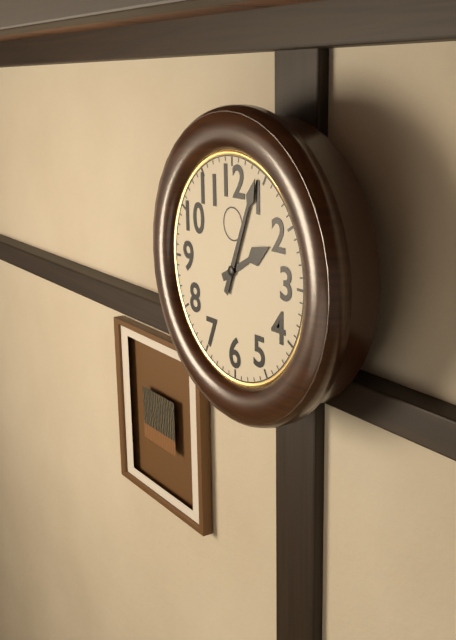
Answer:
{"hour": 2, "minute": 4}
